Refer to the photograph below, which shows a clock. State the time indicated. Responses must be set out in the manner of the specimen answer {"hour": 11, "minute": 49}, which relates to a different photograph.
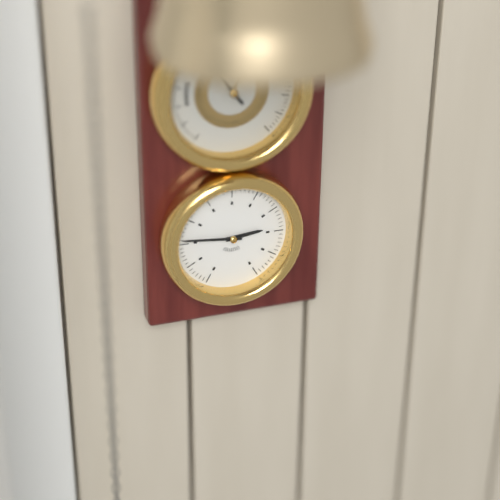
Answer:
{"hour": 2, "minute": 46}
